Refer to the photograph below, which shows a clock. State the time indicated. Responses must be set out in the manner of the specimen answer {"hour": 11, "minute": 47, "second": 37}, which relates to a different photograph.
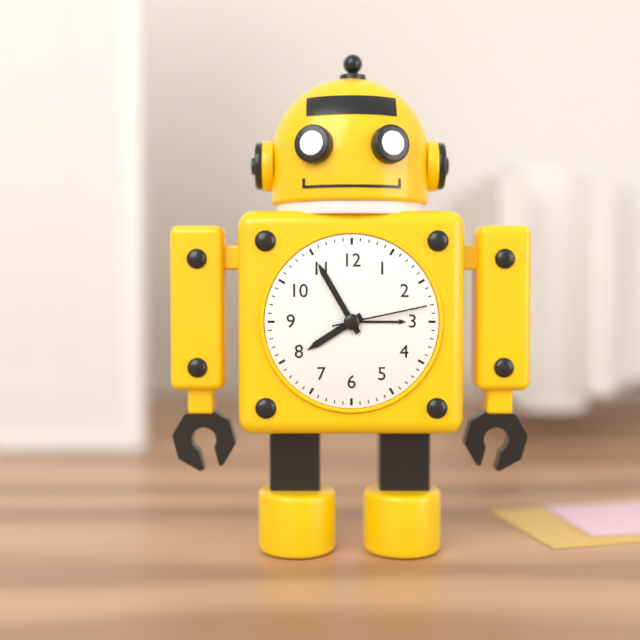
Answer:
{"hour": 7, "minute": 55, "second": 13}
